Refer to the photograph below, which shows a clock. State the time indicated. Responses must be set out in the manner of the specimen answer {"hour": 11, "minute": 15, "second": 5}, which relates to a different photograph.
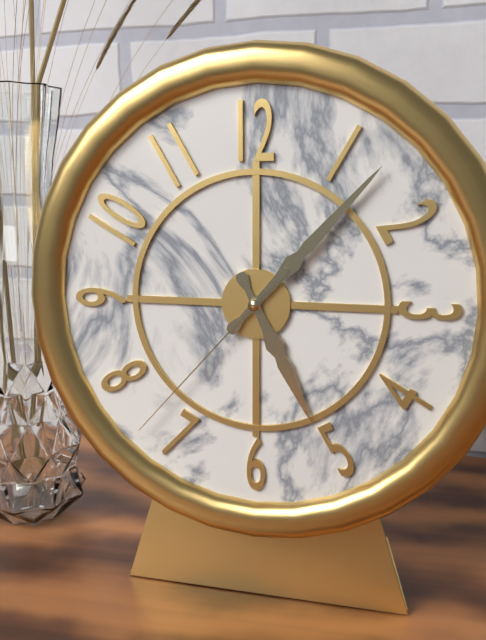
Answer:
{"hour": 5, "minute": 7, "second": 37}
